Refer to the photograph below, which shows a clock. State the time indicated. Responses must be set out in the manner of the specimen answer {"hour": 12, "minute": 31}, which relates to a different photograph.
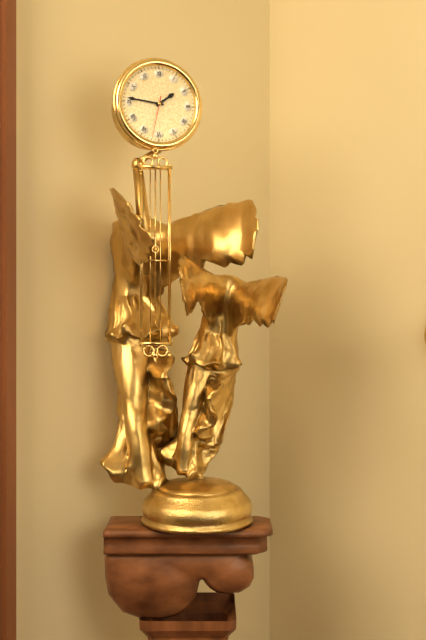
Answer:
{"hour": 1, "minute": 46}
